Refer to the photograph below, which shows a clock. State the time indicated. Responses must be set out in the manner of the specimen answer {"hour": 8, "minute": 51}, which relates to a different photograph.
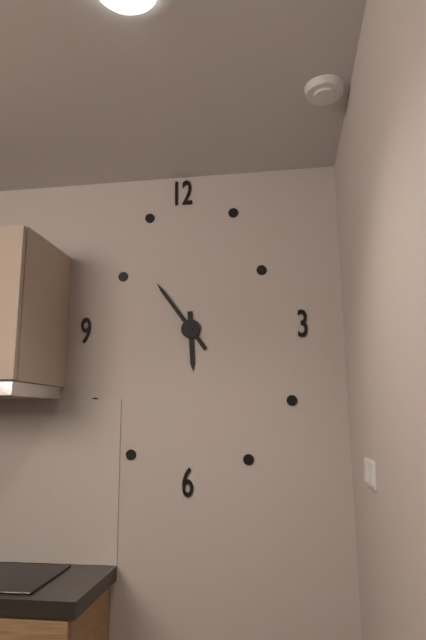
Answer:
{"hour": 5, "minute": 54}
